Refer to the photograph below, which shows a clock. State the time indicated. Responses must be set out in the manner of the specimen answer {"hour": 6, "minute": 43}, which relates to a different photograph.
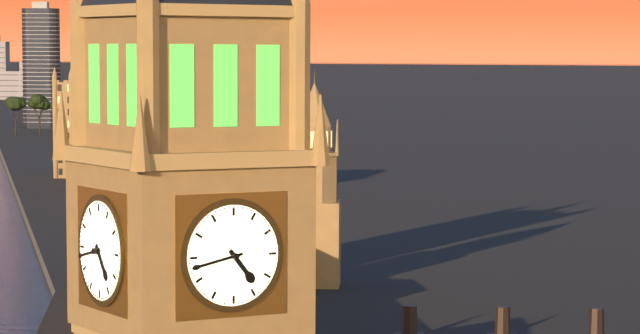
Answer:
{"hour": 4, "minute": 43}
